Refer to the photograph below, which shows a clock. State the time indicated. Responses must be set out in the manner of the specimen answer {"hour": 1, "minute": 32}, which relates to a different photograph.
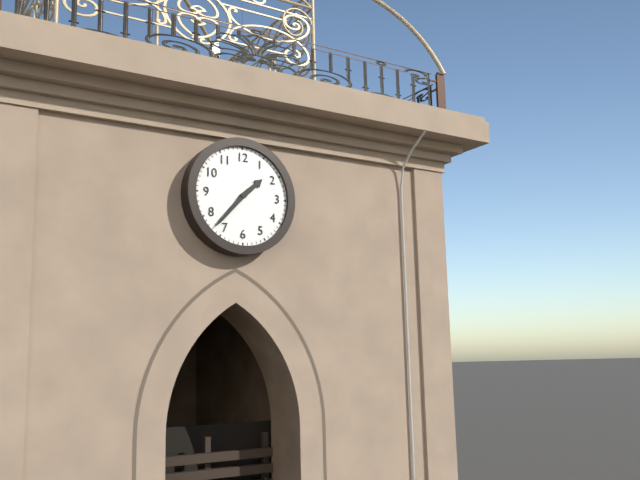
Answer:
{"hour": 1, "minute": 37}
